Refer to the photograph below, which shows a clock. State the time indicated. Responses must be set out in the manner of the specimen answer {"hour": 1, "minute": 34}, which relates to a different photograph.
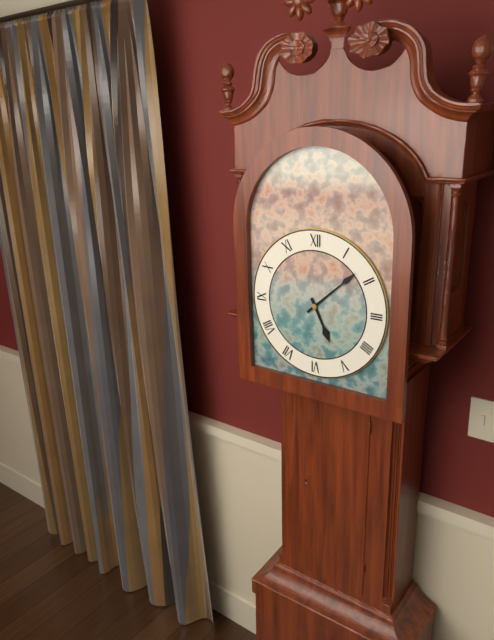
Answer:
{"hour": 5, "minute": 8}
